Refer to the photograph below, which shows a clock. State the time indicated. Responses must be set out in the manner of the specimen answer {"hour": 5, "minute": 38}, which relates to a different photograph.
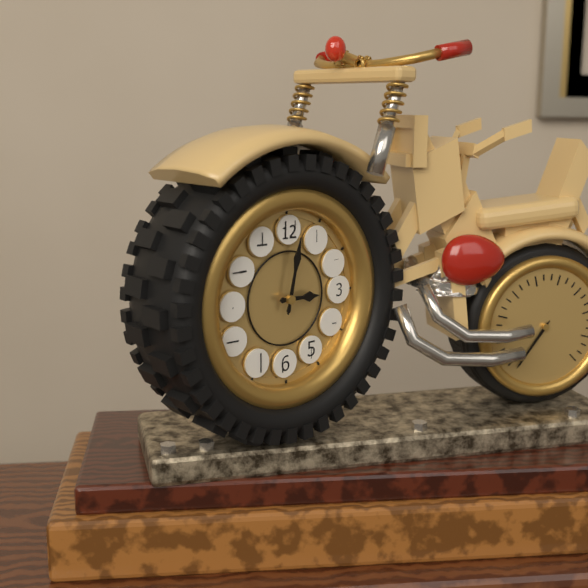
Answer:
{"hour": 3, "minute": 2}
